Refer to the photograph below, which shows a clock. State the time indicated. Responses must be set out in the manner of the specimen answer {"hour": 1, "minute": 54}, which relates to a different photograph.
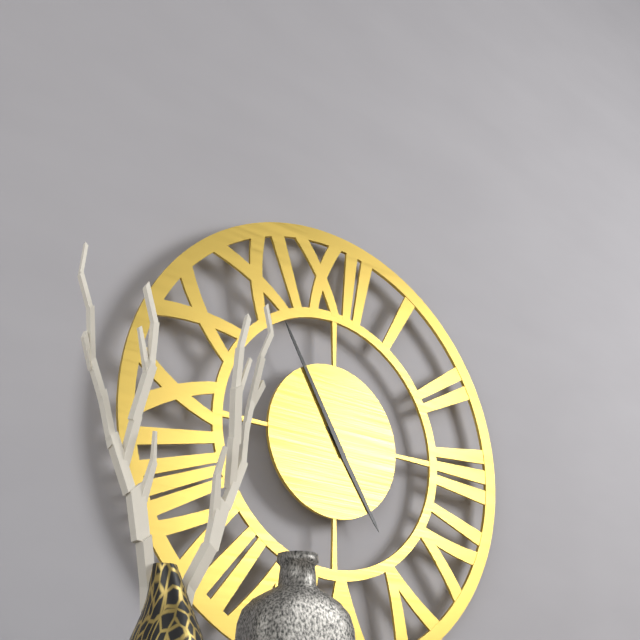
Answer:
{"hour": 4, "minute": 55}
